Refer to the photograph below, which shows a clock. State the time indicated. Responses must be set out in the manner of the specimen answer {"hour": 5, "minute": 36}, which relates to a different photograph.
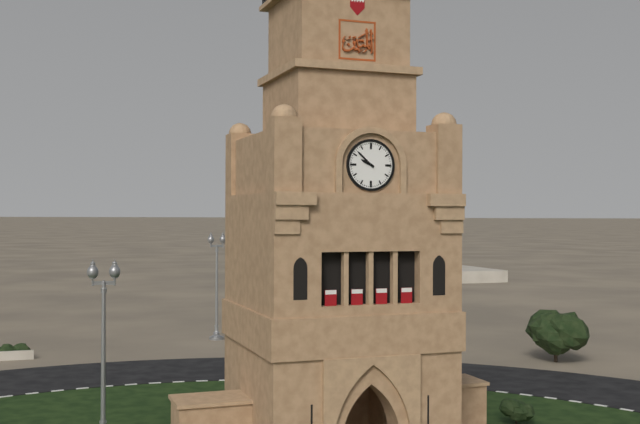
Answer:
{"hour": 9, "minute": 52}
